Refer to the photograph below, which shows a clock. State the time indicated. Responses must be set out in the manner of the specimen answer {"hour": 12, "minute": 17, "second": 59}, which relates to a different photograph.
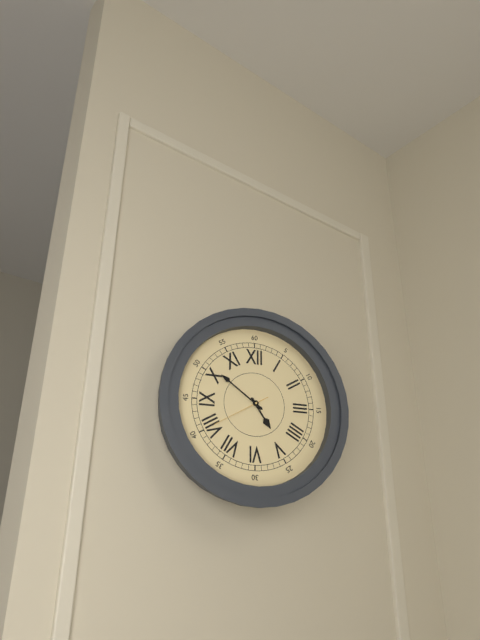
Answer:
{"hour": 4, "minute": 51, "second": 40}
